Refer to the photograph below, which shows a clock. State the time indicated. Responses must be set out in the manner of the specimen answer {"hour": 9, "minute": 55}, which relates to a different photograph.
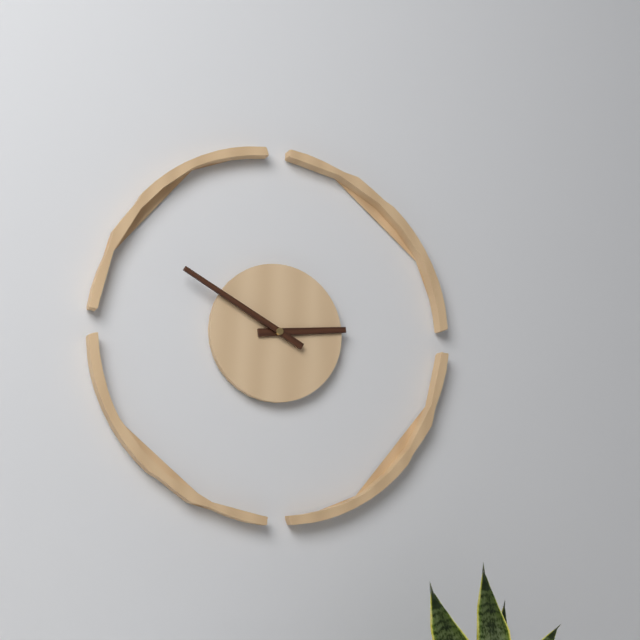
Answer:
{"hour": 2, "minute": 50}
